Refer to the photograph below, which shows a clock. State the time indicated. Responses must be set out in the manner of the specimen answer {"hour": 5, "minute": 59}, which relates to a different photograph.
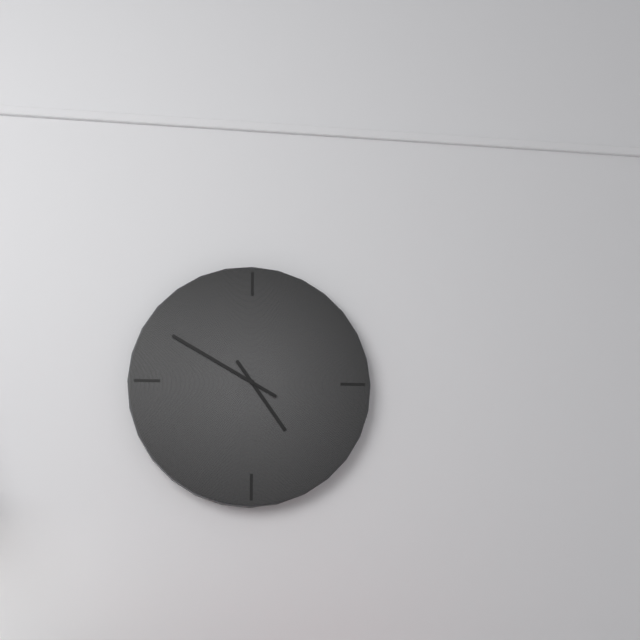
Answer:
{"hour": 4, "minute": 50}
